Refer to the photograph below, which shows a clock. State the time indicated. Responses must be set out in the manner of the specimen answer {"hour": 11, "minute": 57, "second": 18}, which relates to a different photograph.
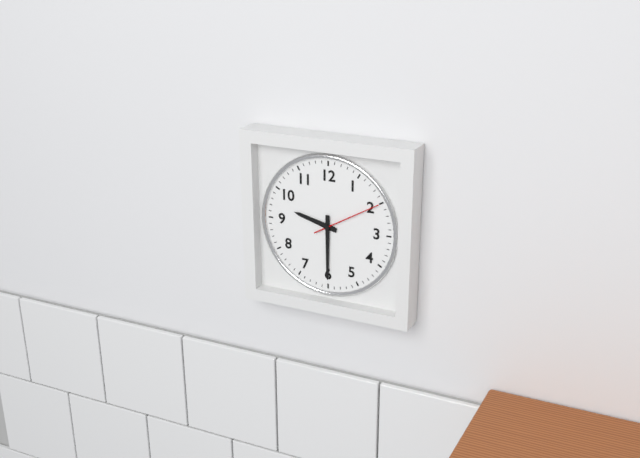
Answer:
{"hour": 9, "minute": 30, "second": 10}
